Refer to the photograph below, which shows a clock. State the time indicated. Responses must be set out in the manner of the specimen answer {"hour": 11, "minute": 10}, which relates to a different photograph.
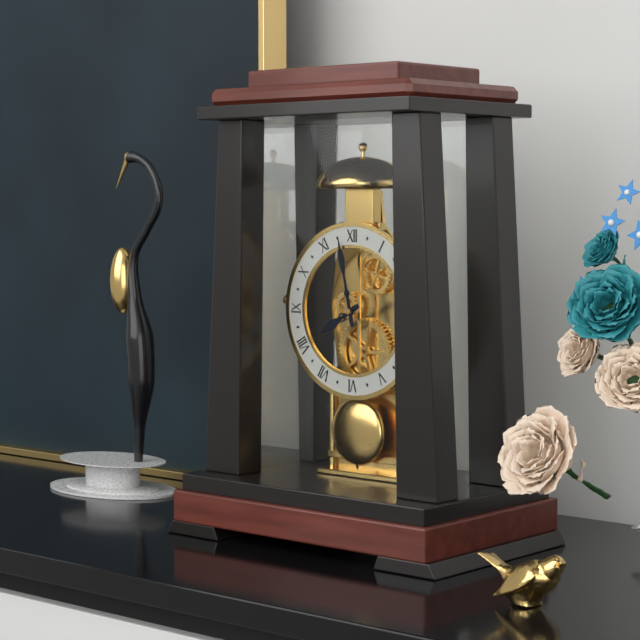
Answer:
{"hour": 7, "minute": 58}
